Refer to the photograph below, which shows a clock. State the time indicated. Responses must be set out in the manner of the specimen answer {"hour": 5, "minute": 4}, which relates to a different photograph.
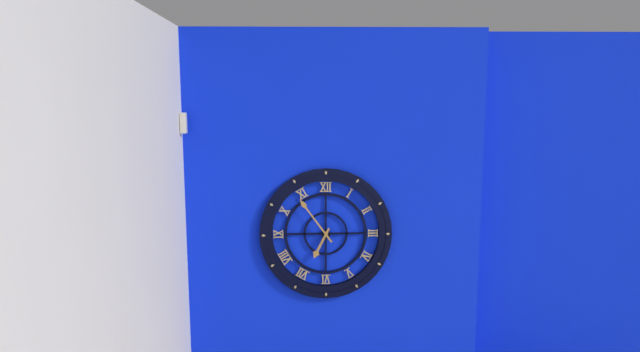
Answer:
{"hour": 6, "minute": 54}
